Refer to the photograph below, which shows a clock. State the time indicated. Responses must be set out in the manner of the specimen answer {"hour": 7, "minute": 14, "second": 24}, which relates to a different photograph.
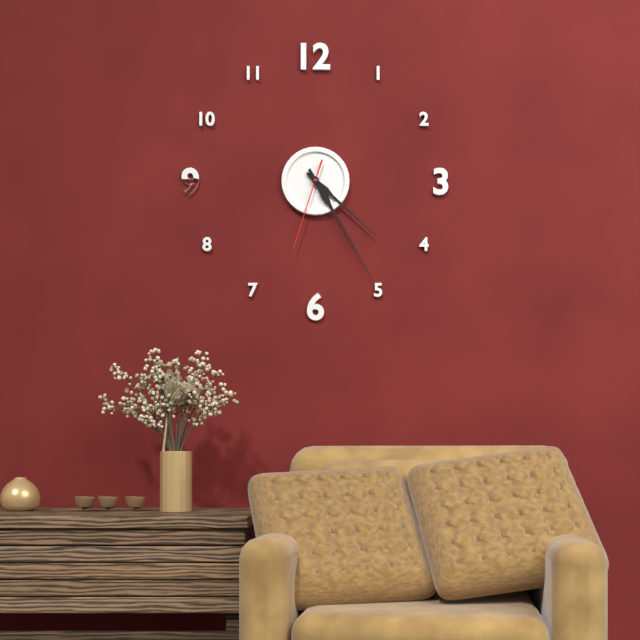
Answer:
{"hour": 4, "minute": 25, "second": 33}
